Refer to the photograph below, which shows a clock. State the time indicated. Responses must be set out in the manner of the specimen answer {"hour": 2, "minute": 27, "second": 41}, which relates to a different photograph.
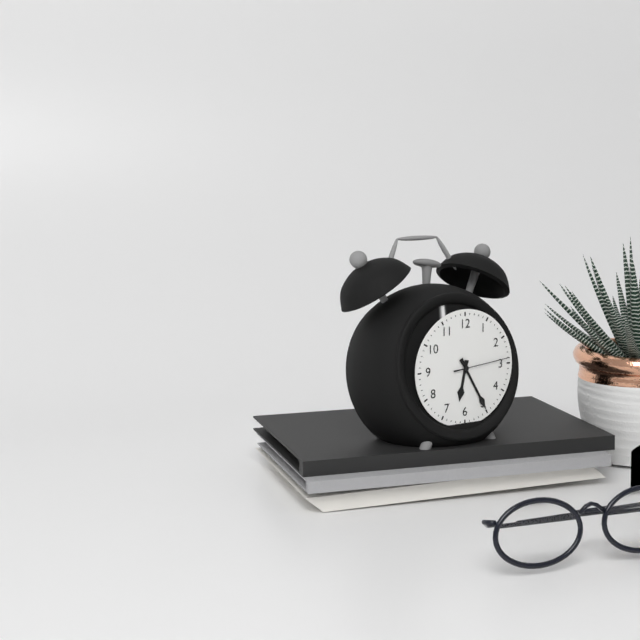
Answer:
{"hour": 6, "minute": 25, "second": 14}
